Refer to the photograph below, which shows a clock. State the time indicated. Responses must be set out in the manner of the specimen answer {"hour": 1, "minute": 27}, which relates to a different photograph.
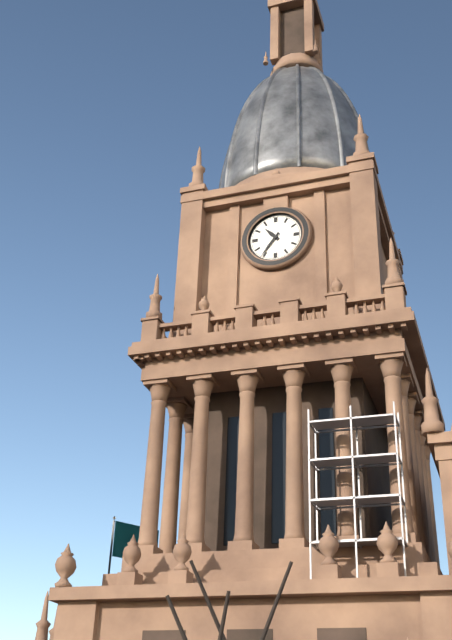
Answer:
{"hour": 10, "minute": 36}
